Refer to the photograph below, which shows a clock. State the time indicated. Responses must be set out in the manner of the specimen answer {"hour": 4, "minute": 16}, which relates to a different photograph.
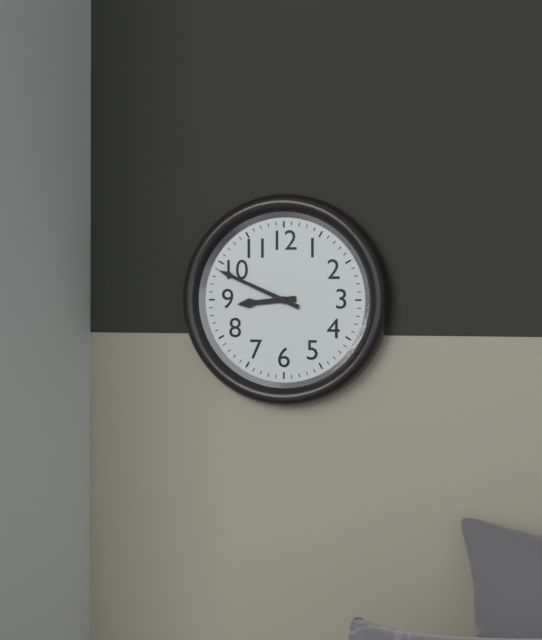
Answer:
{"hour": 8, "minute": 49}
